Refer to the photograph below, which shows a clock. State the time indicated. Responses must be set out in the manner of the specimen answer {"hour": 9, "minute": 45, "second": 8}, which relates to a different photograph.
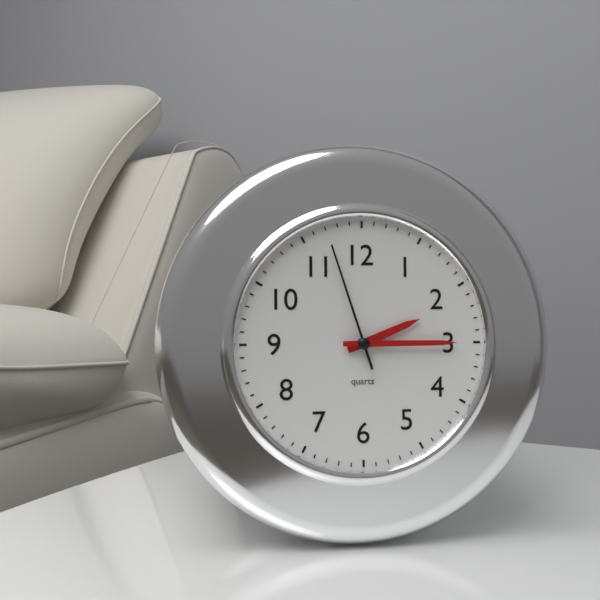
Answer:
{"hour": 2, "minute": 15, "second": 57}
